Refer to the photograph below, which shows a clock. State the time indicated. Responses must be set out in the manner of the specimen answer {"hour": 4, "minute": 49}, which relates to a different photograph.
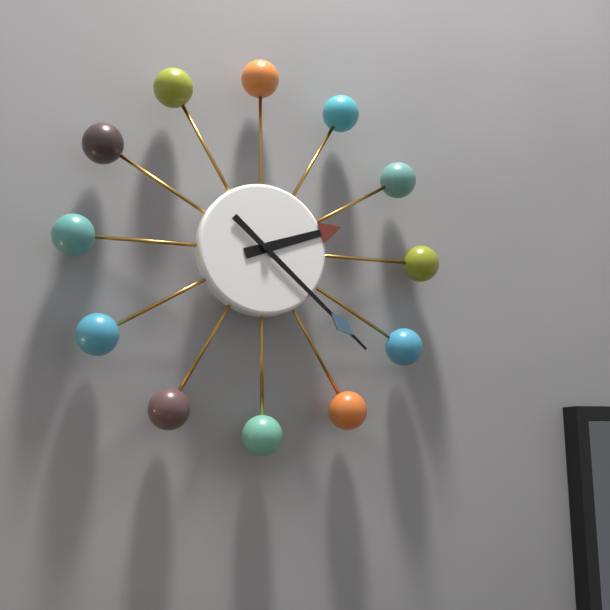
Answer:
{"hour": 2, "minute": 22}
